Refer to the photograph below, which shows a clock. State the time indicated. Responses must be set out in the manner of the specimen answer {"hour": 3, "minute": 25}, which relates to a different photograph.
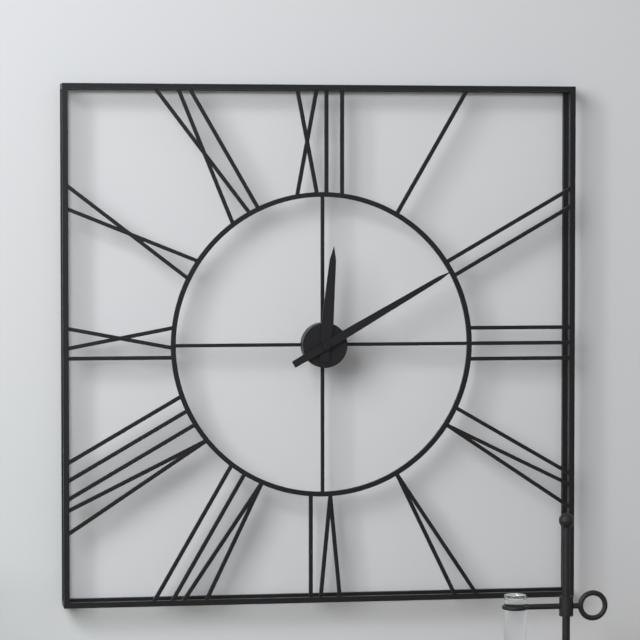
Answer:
{"hour": 12, "minute": 10}
